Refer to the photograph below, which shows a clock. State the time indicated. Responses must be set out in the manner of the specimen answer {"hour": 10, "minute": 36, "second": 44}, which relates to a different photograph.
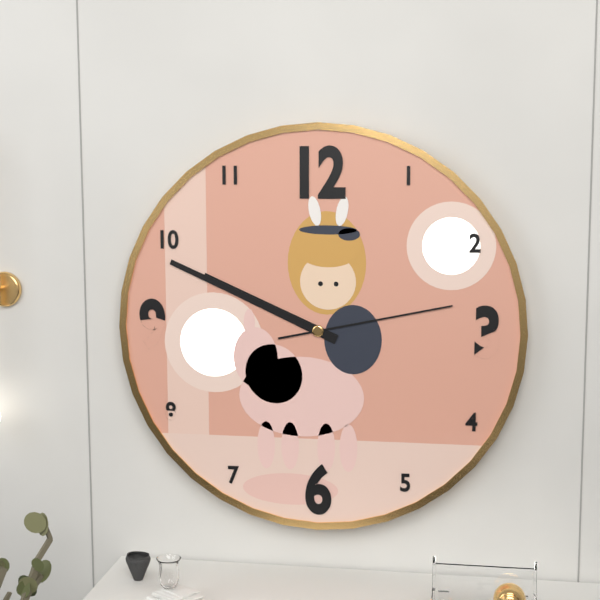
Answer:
{"hour": 9, "minute": 49, "second": 13}
